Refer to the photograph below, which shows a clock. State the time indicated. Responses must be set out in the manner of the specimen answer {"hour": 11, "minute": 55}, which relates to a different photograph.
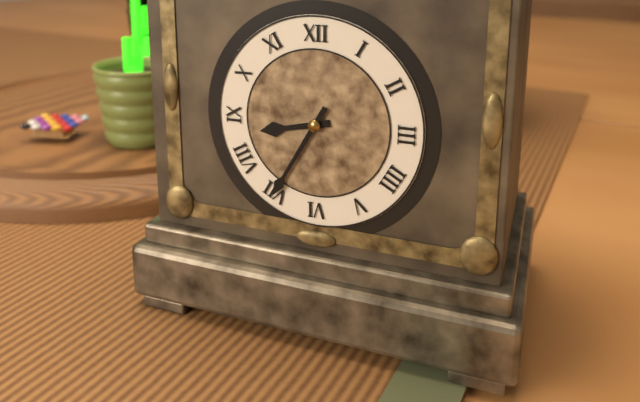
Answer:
{"hour": 8, "minute": 35}
